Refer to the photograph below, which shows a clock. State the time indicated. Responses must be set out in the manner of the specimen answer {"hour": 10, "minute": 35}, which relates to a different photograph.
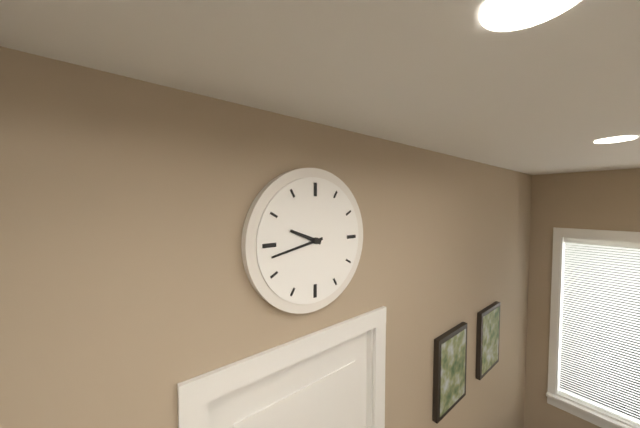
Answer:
{"hour": 9, "minute": 43}
